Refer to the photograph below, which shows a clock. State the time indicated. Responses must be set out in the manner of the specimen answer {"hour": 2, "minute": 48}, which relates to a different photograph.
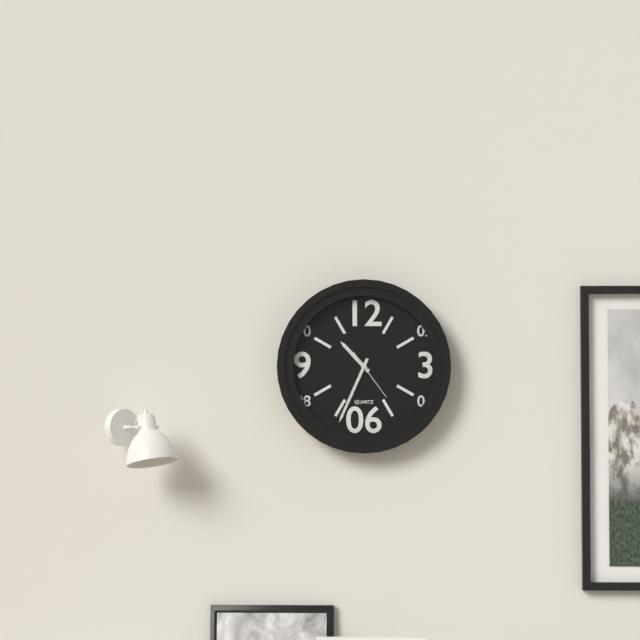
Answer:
{"hour": 10, "minute": 34}
